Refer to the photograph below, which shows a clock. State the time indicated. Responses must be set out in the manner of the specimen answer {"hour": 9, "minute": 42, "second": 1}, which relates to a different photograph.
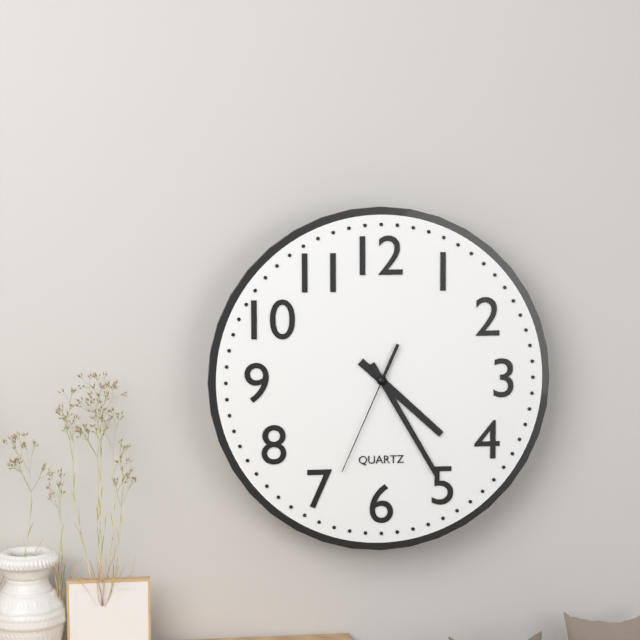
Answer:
{"hour": 4, "minute": 25, "second": 34}
